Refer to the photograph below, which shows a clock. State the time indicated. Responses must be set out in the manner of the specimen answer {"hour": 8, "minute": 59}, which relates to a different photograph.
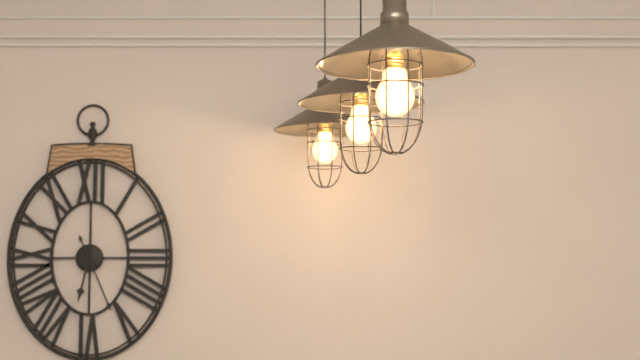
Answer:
{"hour": 6, "minute": 26}
